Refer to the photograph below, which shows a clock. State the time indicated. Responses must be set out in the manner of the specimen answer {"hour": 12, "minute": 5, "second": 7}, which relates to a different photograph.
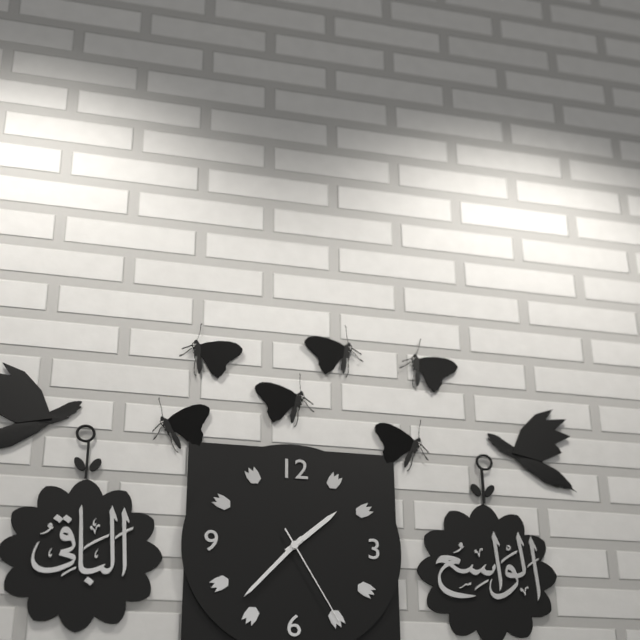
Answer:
{"hour": 1, "minute": 37, "second": 25}
